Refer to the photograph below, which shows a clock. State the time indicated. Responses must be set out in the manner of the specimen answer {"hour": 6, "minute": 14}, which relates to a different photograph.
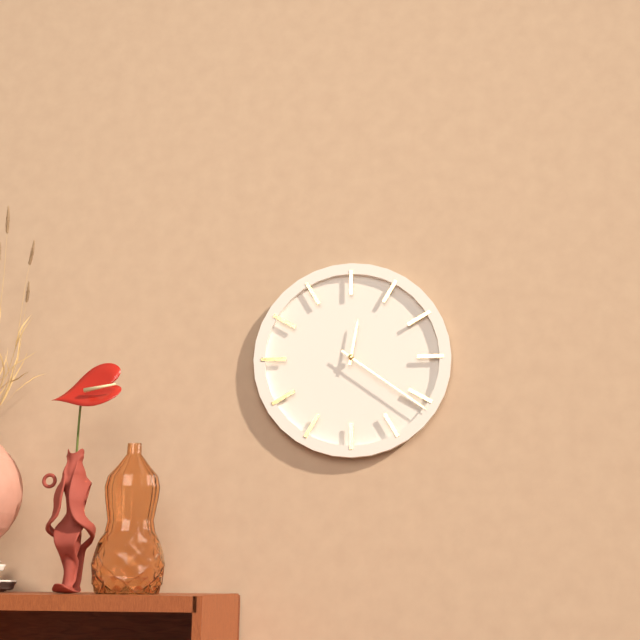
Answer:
{"hour": 12, "minute": 21}
